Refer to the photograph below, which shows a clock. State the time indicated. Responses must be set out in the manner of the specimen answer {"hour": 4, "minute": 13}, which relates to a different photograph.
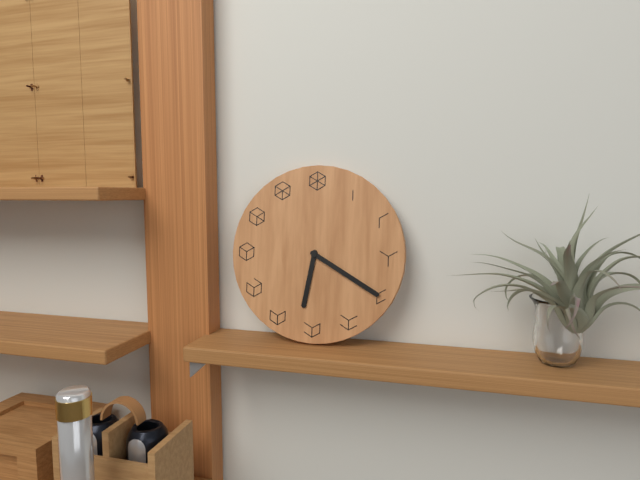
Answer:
{"hour": 6, "minute": 20}
